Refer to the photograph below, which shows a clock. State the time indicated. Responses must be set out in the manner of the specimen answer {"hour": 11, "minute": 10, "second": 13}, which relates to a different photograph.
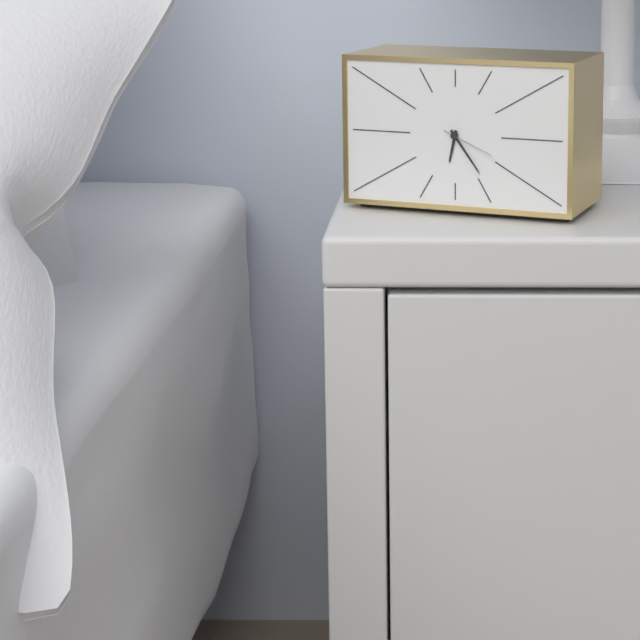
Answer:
{"hour": 6, "minute": 24, "second": 19}
